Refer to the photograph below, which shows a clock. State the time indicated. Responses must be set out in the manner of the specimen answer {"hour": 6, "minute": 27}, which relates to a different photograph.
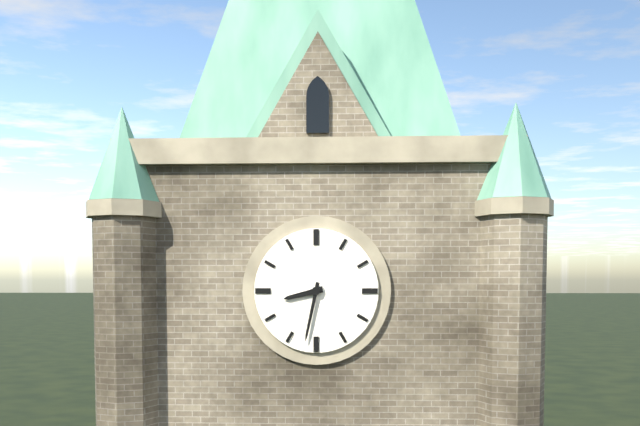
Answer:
{"hour": 8, "minute": 32}
